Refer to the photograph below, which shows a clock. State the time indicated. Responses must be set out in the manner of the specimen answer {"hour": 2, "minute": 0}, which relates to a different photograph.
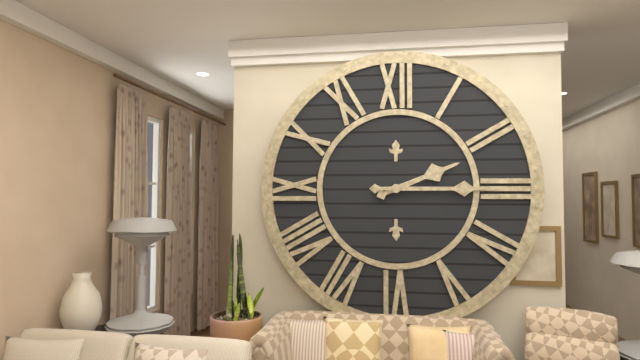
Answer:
{"hour": 2, "minute": 15}
